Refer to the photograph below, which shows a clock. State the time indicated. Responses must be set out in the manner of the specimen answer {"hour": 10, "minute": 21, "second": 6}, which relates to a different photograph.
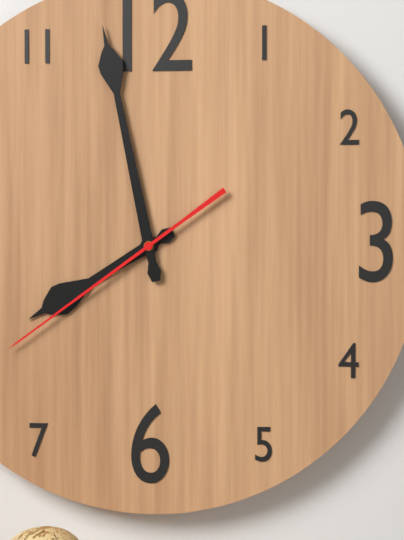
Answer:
{"hour": 7, "minute": 58, "second": 39}
